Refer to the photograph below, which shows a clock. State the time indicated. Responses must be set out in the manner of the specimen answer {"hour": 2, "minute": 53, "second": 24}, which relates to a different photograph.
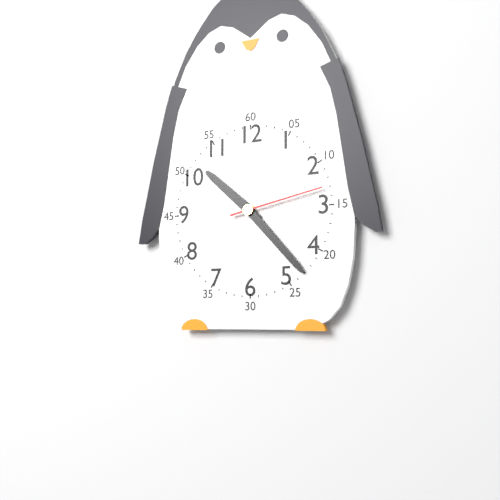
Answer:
{"hour": 10, "minute": 23, "second": 13}
